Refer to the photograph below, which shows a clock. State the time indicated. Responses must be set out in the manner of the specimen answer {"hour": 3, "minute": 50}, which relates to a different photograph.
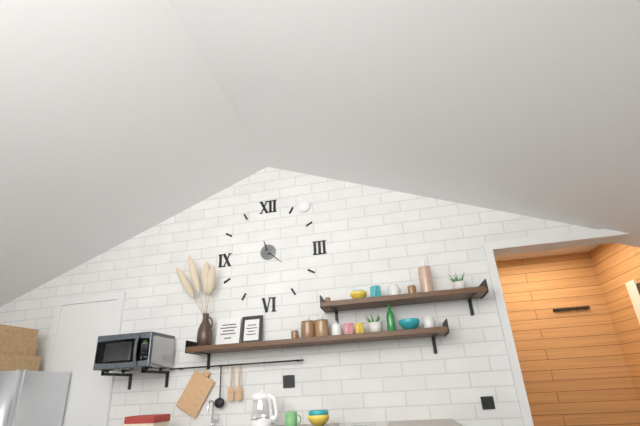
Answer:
{"hour": 11, "minute": 22}
